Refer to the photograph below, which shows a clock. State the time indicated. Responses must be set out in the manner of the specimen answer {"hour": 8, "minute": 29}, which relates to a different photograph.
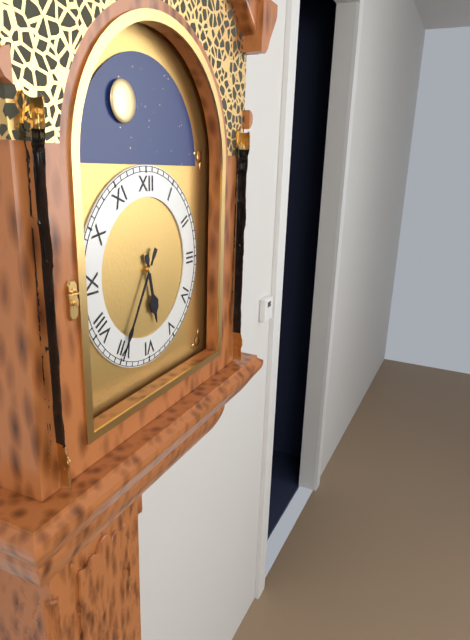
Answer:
{"hour": 5, "minute": 35}
